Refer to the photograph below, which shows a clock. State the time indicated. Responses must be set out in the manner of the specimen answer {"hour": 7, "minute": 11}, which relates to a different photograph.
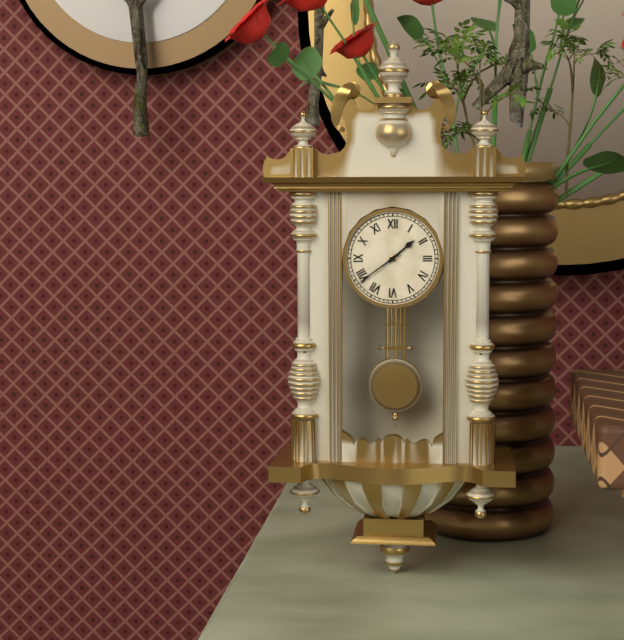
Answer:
{"hour": 1, "minute": 39}
